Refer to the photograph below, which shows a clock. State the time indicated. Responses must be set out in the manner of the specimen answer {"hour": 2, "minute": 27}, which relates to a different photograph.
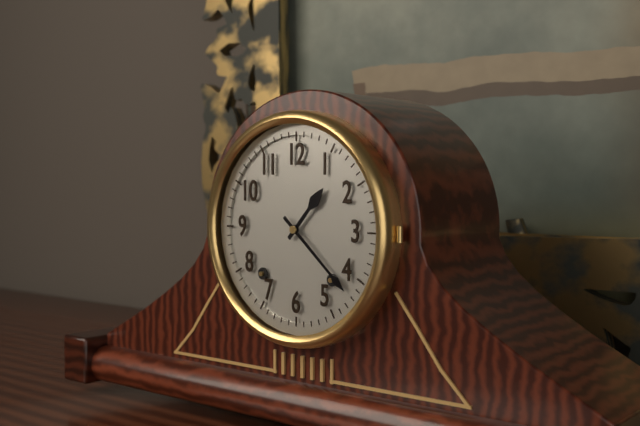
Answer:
{"hour": 1, "minute": 22}
